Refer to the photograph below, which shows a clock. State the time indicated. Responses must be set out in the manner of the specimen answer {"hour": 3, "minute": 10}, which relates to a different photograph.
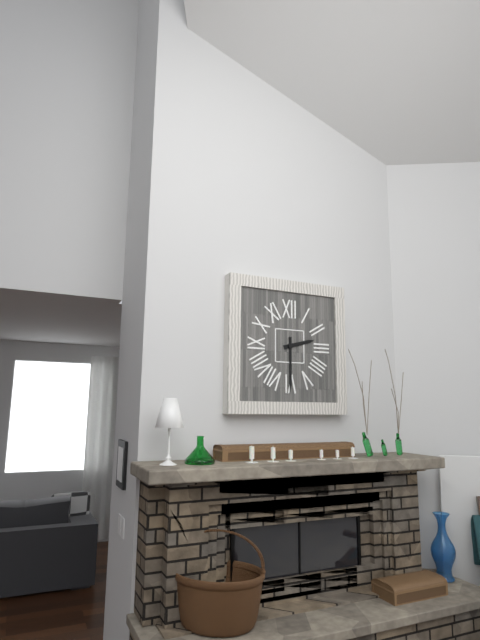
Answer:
{"hour": 2, "minute": 30}
